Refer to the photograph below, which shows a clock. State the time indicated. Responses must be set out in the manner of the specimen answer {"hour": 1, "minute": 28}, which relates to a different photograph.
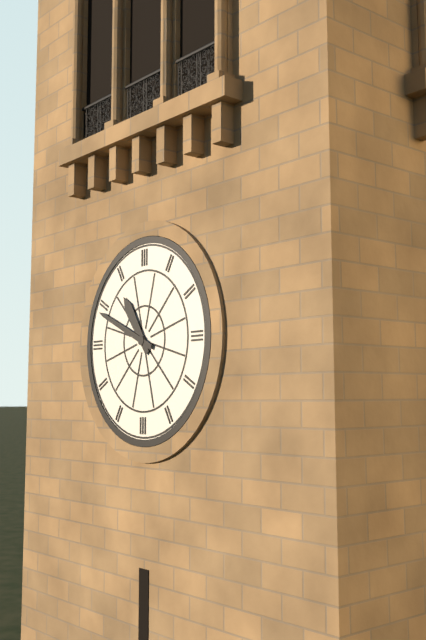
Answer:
{"hour": 10, "minute": 49}
